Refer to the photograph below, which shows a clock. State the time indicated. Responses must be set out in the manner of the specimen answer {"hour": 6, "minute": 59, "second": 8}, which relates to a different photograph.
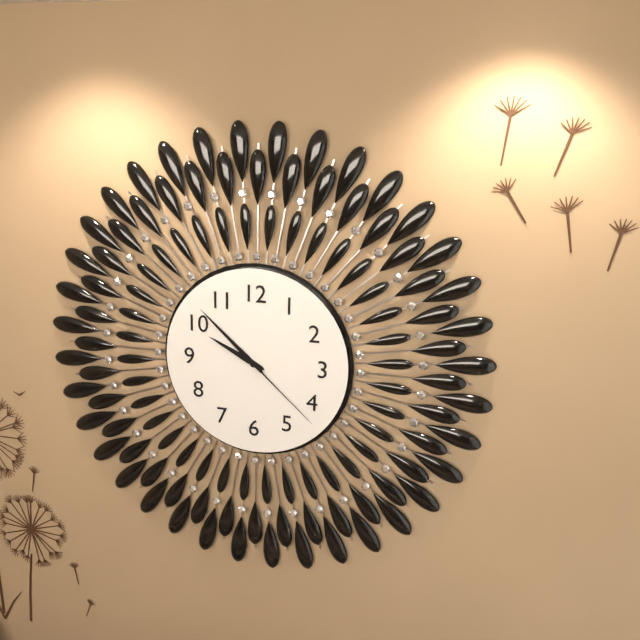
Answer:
{"hour": 9, "minute": 52, "second": 22}
